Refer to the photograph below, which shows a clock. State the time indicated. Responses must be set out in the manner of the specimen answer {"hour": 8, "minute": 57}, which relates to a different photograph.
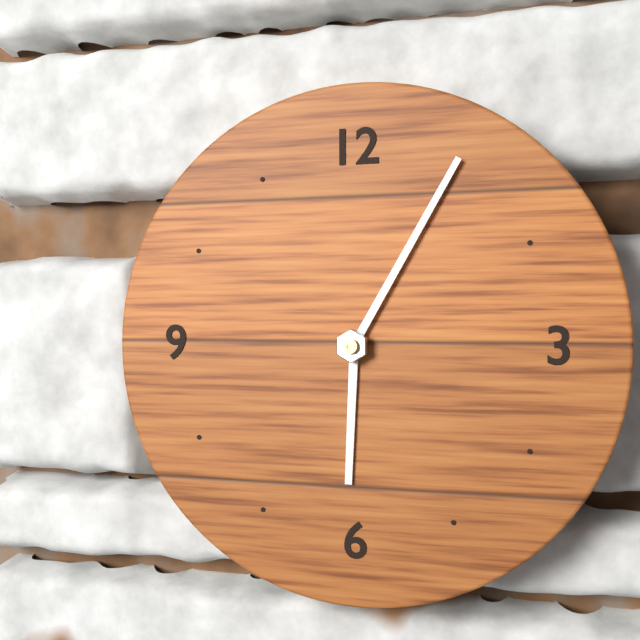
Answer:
{"hour": 6, "minute": 5}
